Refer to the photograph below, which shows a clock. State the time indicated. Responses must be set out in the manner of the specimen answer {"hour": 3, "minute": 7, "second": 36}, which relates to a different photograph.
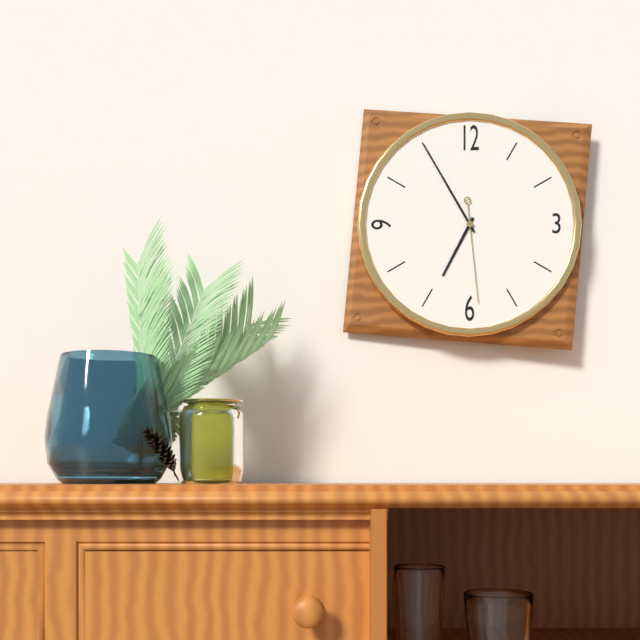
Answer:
{"hour": 6, "minute": 55, "second": 29}
